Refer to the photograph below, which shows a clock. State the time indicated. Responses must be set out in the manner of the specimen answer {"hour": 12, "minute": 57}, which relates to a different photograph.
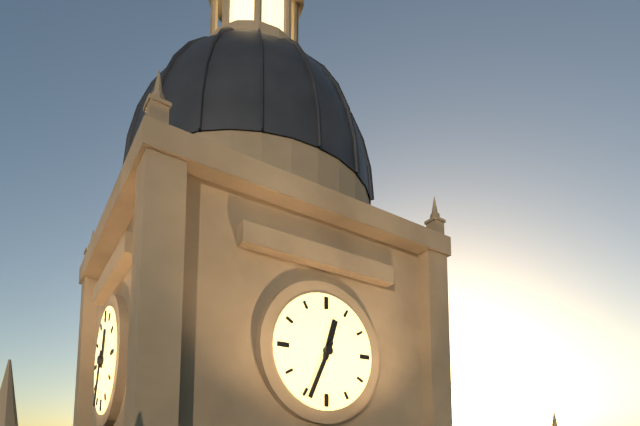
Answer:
{"hour": 12, "minute": 34}
